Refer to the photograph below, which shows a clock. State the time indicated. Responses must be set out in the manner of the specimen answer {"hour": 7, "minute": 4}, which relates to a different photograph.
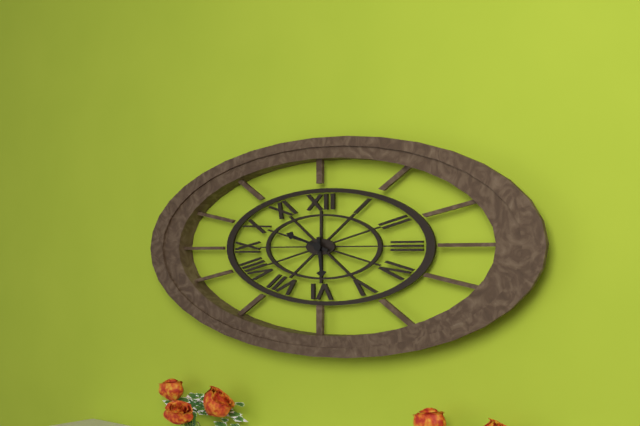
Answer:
{"hour": 5, "minute": 48}
